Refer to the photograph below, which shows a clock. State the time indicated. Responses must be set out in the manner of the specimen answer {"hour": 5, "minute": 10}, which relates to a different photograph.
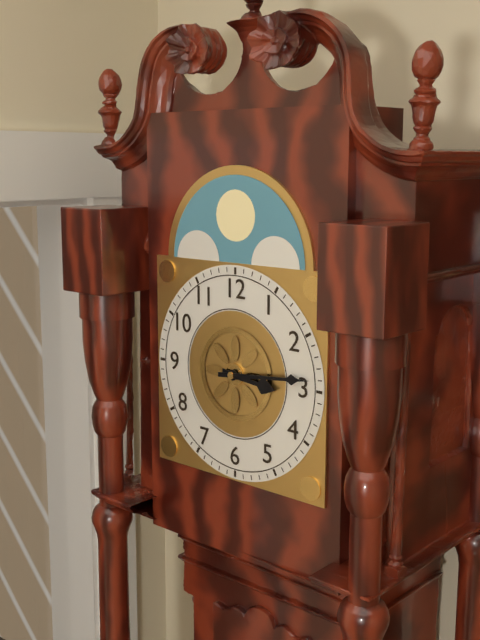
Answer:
{"hour": 3, "minute": 14}
